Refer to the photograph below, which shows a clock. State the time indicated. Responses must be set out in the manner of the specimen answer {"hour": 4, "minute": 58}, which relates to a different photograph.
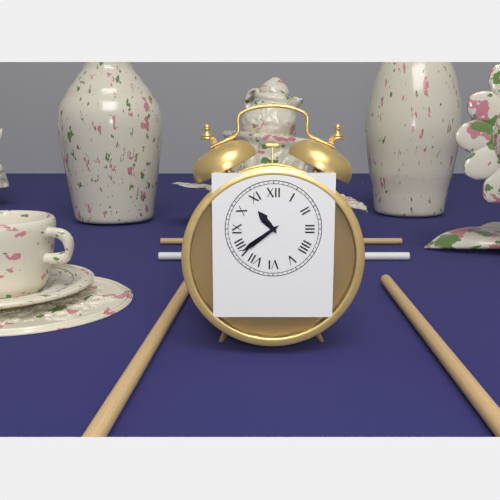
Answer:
{"hour": 10, "minute": 39}
